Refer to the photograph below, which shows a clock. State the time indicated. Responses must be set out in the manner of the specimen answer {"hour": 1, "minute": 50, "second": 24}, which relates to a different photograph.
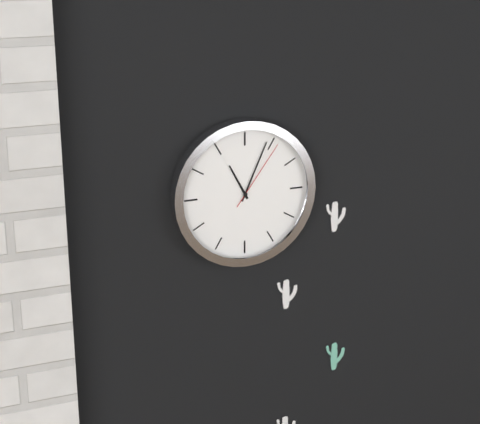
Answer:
{"hour": 11, "minute": 4, "second": 6}
